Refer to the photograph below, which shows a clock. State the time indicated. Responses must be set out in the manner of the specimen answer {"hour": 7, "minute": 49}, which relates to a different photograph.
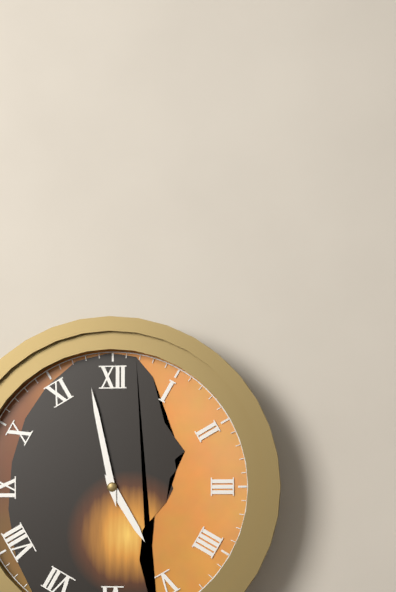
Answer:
{"hour": 4, "minute": 58}
